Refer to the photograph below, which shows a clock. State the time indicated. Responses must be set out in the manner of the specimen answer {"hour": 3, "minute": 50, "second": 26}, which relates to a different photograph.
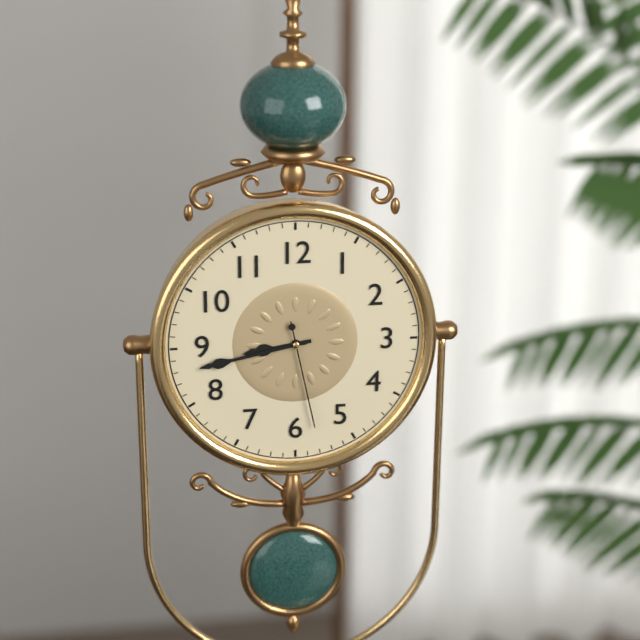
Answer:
{"hour": 8, "minute": 43, "second": 28}
